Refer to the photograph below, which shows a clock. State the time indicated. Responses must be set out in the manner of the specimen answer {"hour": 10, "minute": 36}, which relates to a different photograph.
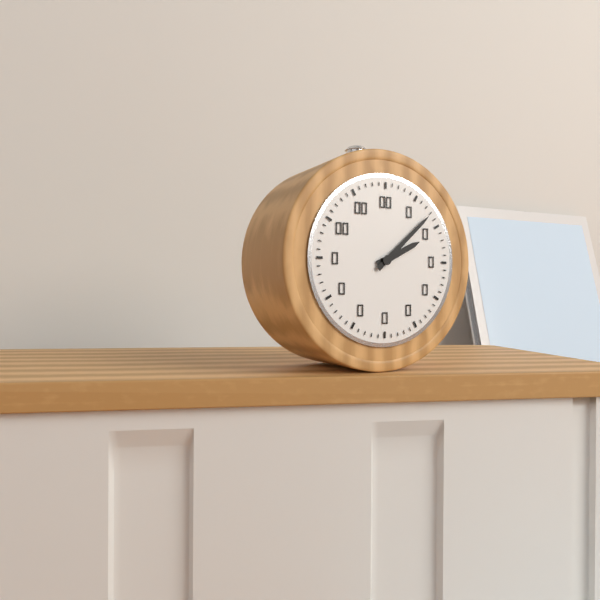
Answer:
{"hour": 2, "minute": 8}
